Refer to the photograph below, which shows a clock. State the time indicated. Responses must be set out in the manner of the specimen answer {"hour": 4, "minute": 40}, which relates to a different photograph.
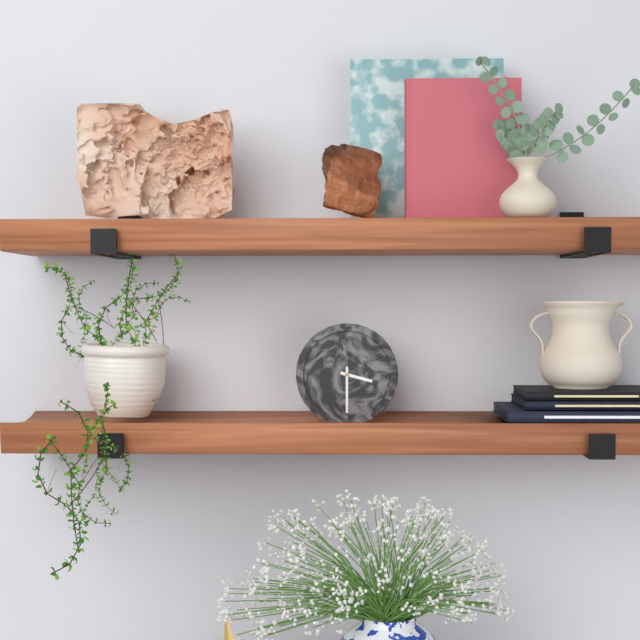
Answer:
{"hour": 3, "minute": 30}
